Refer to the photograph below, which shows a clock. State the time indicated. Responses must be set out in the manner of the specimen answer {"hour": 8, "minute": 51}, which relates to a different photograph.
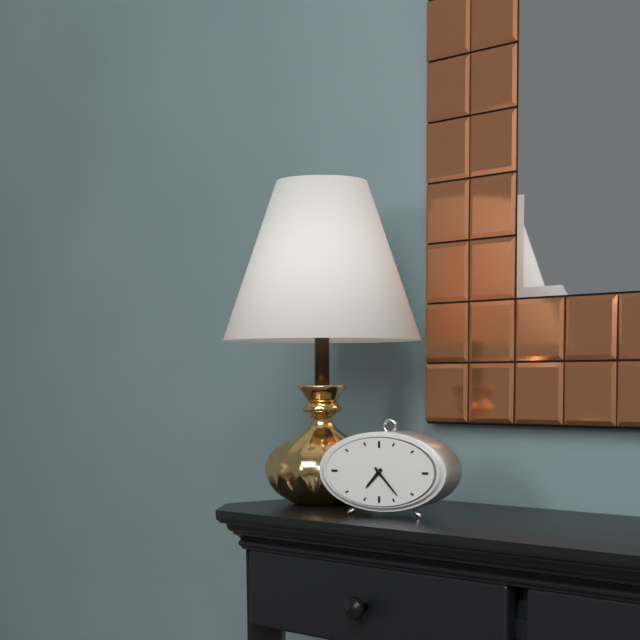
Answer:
{"hour": 7, "minute": 23}
